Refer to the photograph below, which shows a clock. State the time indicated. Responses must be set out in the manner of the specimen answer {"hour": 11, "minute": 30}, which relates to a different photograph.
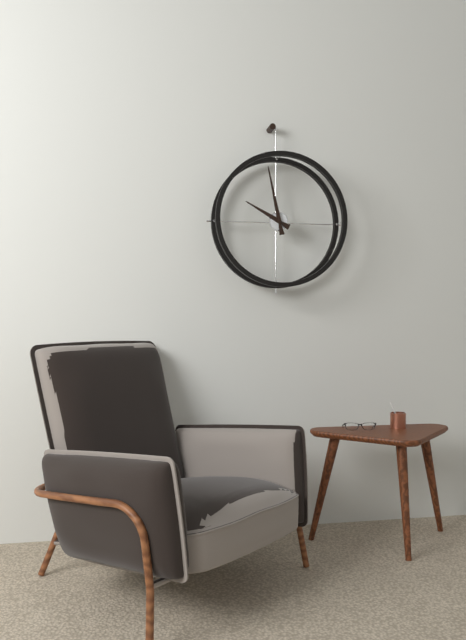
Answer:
{"hour": 9, "minute": 58}
